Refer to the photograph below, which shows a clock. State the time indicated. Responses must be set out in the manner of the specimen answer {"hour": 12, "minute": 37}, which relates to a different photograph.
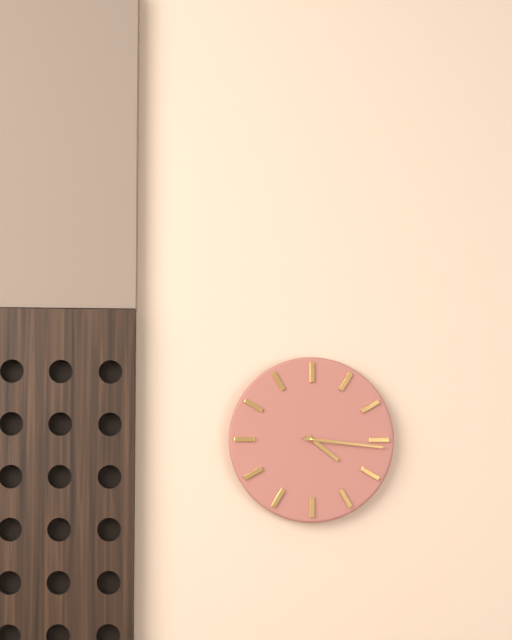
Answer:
{"hour": 4, "minute": 16}
